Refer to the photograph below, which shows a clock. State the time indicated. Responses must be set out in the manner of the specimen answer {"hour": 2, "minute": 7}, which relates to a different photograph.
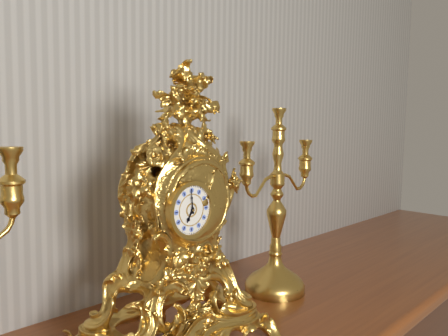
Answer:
{"hour": 6, "minute": 59}
